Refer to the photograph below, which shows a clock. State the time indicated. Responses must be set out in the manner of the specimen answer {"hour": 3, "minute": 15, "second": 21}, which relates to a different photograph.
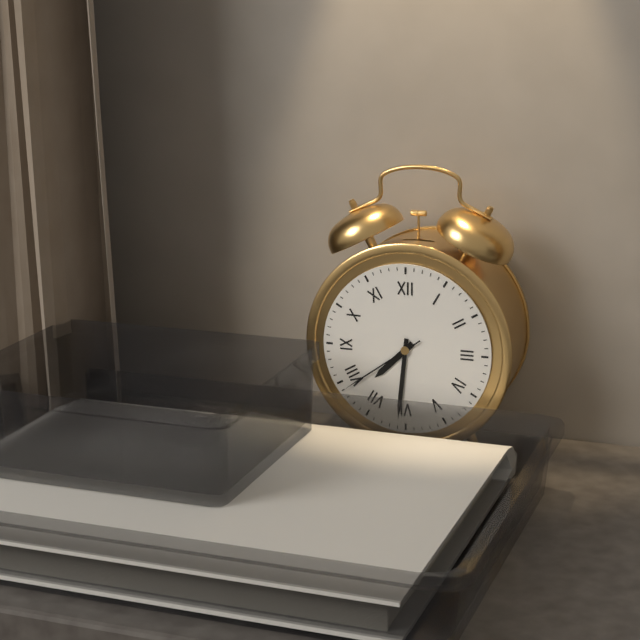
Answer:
{"hour": 7, "minute": 31, "second": 39}
